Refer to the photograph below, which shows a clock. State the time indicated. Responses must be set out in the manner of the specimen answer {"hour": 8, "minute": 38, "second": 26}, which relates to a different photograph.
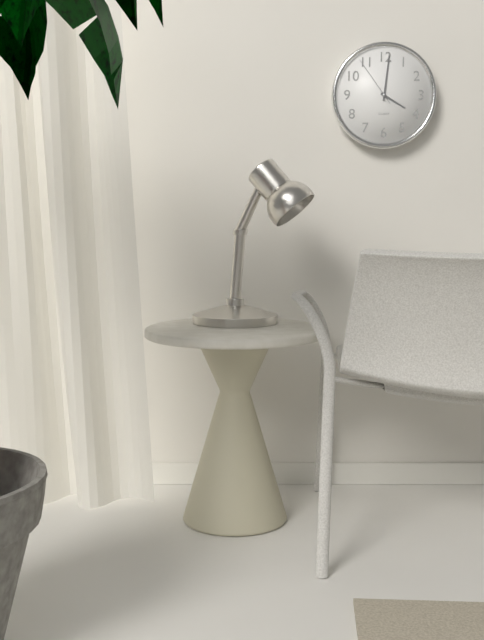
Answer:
{"hour": 4, "minute": 1, "second": 54}
